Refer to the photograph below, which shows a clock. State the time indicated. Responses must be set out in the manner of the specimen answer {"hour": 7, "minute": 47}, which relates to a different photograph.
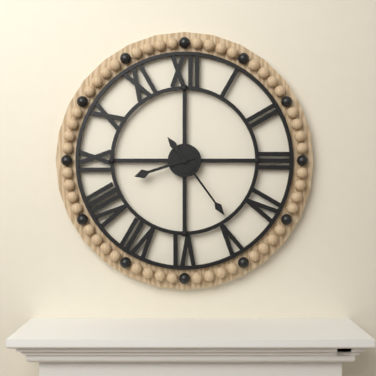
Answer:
{"hour": 8, "minute": 24}
